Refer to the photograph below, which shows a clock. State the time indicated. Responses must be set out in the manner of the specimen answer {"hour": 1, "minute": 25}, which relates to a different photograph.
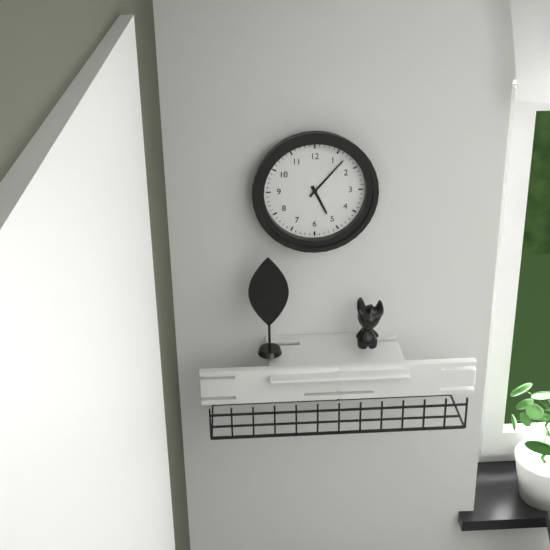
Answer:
{"hour": 5, "minute": 7}
